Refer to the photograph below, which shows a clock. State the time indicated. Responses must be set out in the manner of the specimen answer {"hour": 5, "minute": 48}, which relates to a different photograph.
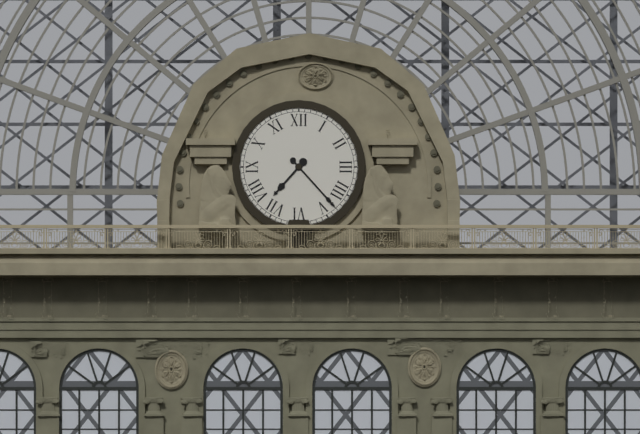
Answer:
{"hour": 7, "minute": 23}
